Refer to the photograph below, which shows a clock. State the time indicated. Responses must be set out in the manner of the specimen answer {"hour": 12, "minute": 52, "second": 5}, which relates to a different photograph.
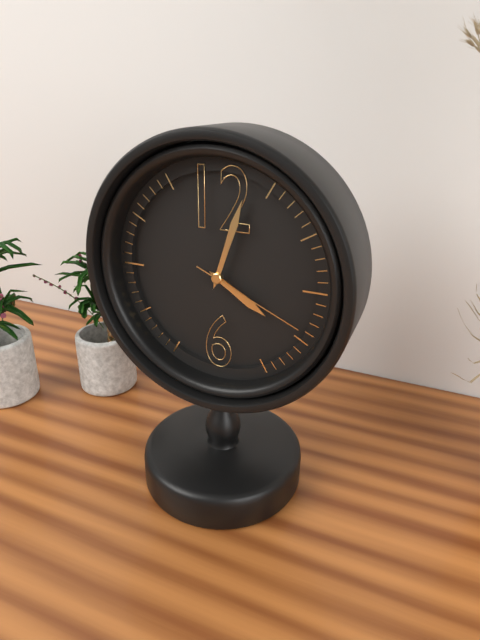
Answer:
{"hour": 4, "minute": 3, "second": 19}
